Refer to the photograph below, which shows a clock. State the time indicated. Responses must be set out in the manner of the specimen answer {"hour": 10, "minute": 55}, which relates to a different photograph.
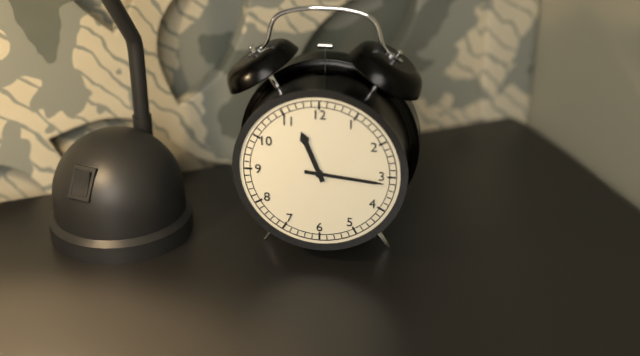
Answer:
{"hour": 11, "minute": 16}
